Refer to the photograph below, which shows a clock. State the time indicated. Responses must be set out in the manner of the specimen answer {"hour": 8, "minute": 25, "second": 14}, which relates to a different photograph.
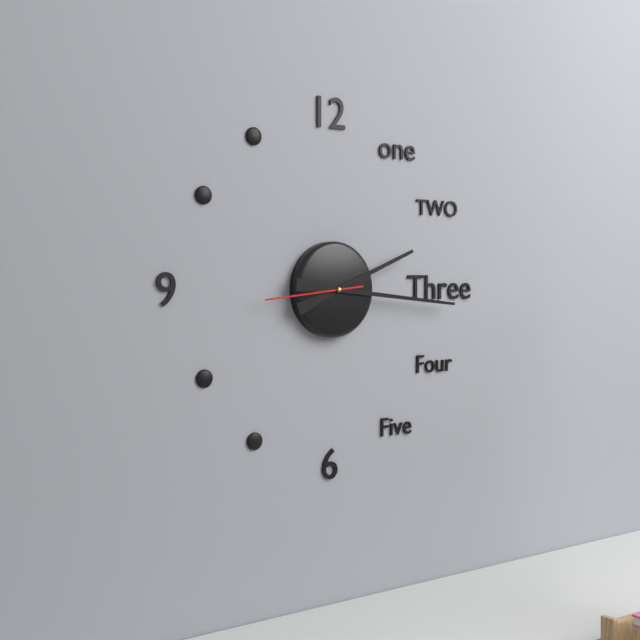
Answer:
{"hour": 2, "minute": 16, "second": 44}
